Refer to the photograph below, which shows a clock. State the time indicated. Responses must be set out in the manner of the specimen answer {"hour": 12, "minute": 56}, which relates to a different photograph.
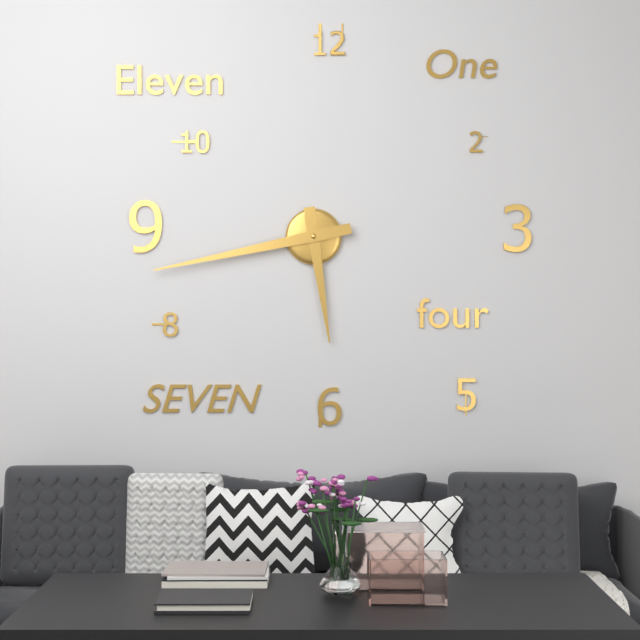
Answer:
{"hour": 5, "minute": 43}
